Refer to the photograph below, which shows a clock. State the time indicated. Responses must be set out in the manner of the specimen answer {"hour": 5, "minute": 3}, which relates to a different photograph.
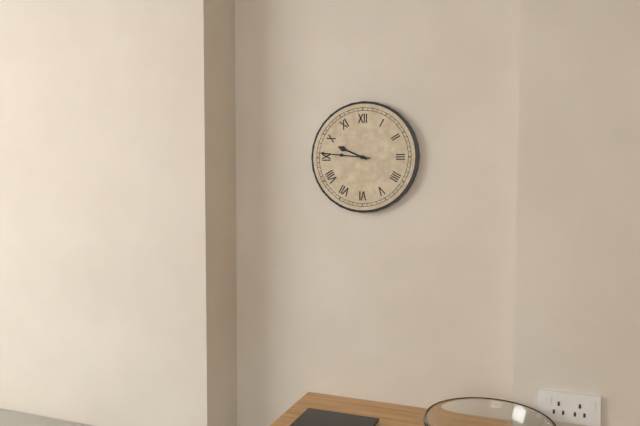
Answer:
{"hour": 9, "minute": 46}
